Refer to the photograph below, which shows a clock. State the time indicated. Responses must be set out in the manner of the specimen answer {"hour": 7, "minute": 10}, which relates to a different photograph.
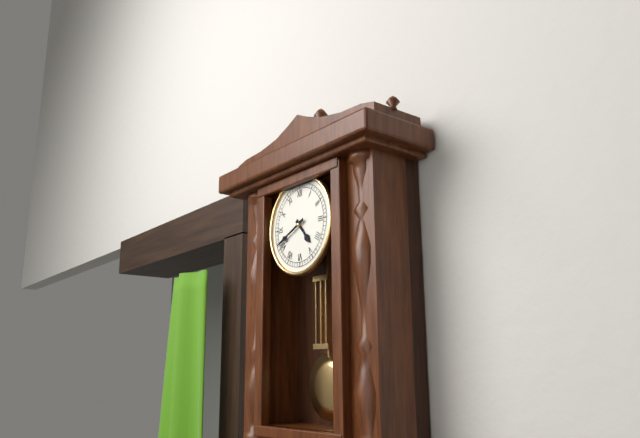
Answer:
{"hour": 4, "minute": 41}
